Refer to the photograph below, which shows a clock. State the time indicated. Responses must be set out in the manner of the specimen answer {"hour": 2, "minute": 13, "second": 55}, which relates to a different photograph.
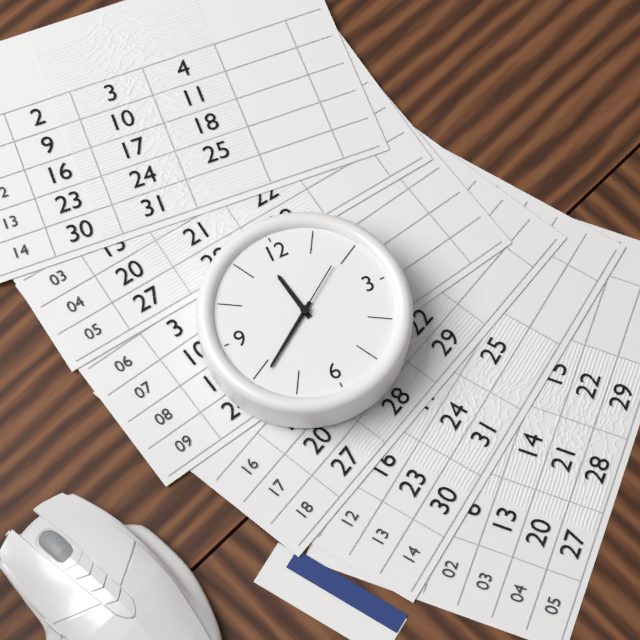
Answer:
{"hour": 11, "minute": 39, "second": 9}
